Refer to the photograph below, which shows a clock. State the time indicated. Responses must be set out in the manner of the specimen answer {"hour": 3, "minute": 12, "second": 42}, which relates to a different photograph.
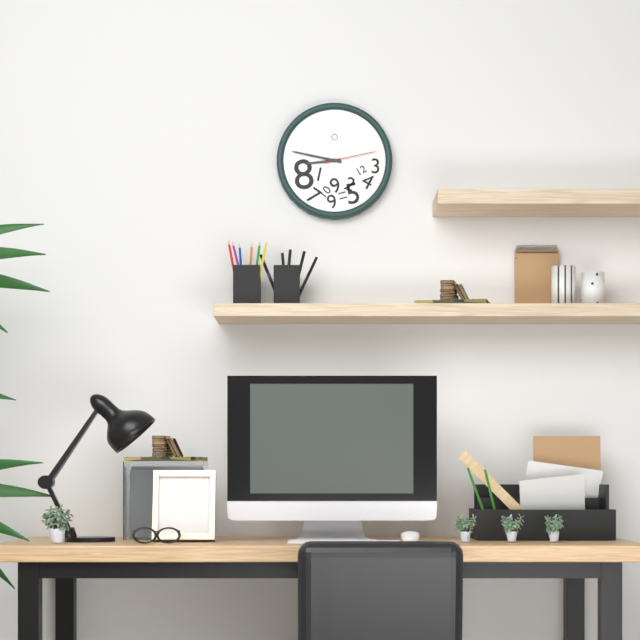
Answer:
{"hour": 8, "minute": 47, "second": 13}
